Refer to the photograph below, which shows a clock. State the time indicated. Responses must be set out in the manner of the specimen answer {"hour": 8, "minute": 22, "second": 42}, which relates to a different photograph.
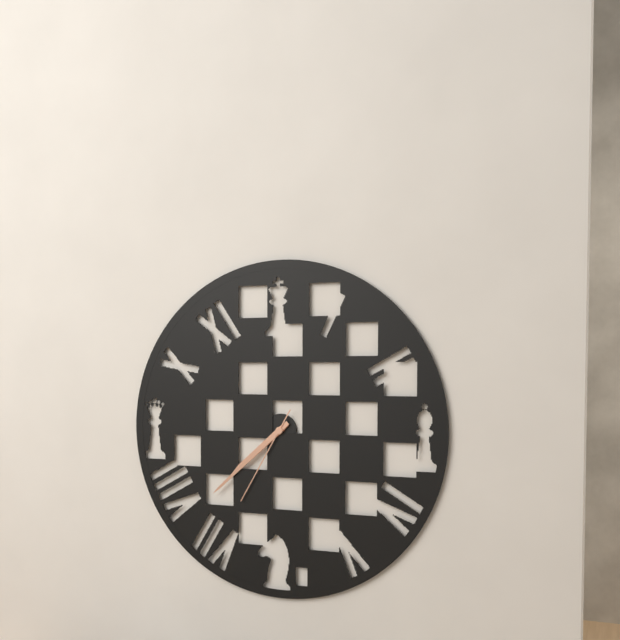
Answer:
{"hour": 7, "minute": 38, "second": 35}
